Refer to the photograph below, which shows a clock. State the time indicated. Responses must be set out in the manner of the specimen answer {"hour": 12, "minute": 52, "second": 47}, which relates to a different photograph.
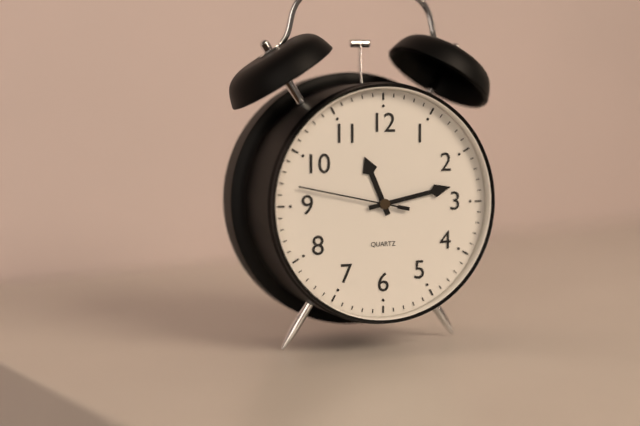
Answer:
{"hour": 11, "minute": 13, "second": 47}
